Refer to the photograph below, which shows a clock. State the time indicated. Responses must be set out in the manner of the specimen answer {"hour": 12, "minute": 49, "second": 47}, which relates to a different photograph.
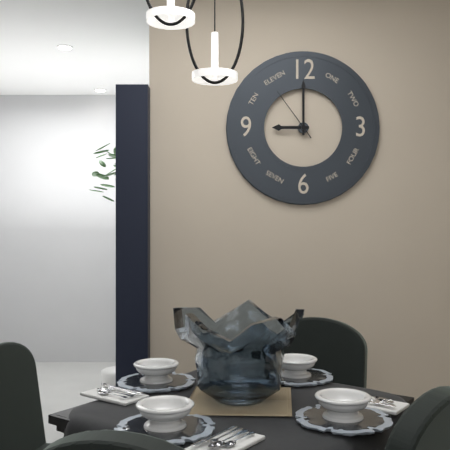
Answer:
{"hour": 9, "minute": 0, "second": 54}
